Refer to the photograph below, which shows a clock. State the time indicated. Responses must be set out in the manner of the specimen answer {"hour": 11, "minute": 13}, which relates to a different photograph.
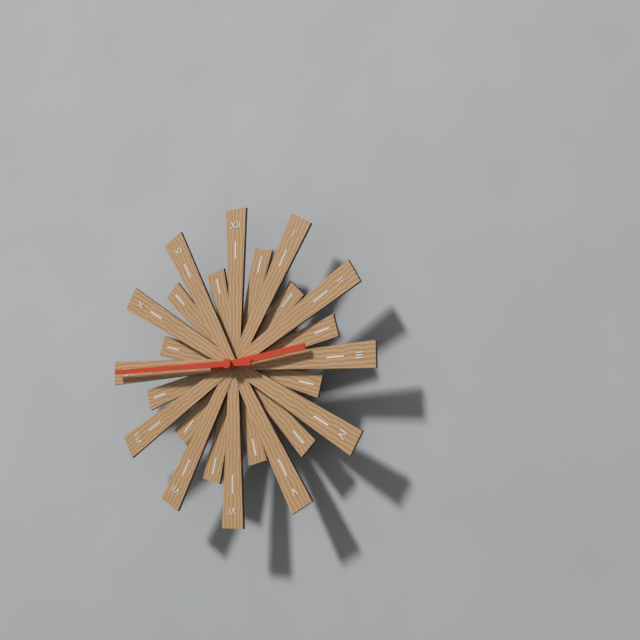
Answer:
{"hour": 2, "minute": 45}
